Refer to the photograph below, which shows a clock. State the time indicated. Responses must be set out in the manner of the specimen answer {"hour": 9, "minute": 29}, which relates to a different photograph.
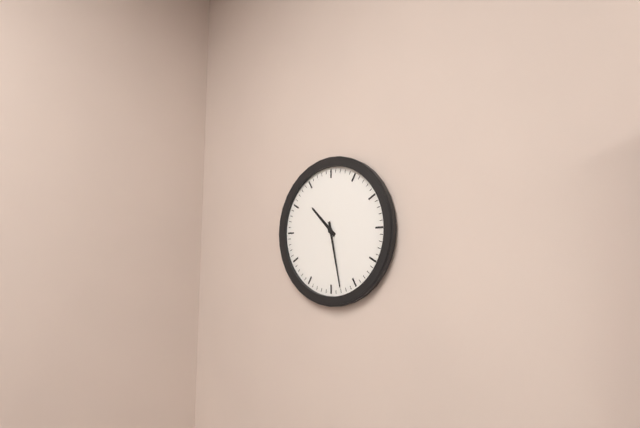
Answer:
{"hour": 10, "minute": 28}
